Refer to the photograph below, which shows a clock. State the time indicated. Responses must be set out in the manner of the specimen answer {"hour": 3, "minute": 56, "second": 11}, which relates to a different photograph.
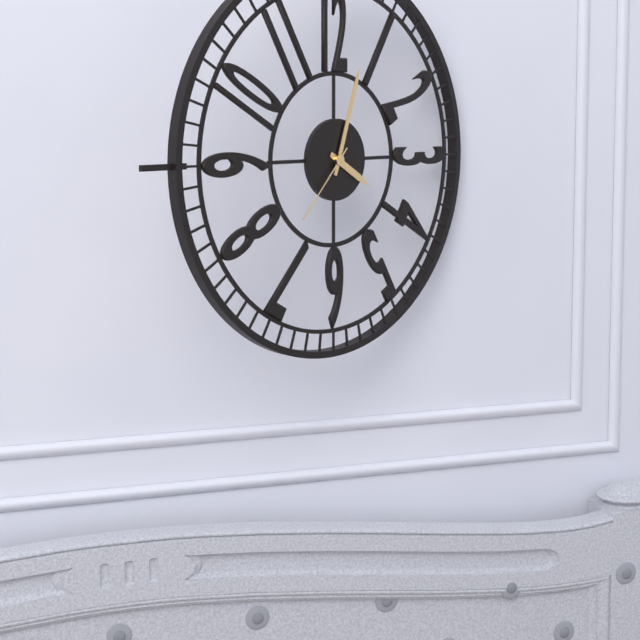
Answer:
{"hour": 4, "minute": 3, "second": 37}
